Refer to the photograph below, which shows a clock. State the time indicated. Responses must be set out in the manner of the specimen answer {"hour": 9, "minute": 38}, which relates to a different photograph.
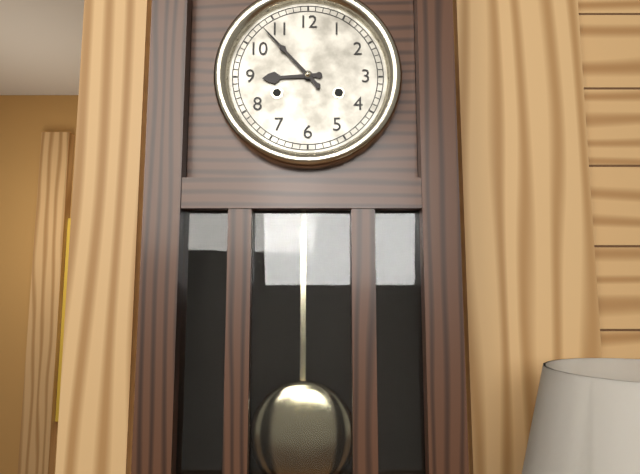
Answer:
{"hour": 8, "minute": 53}
